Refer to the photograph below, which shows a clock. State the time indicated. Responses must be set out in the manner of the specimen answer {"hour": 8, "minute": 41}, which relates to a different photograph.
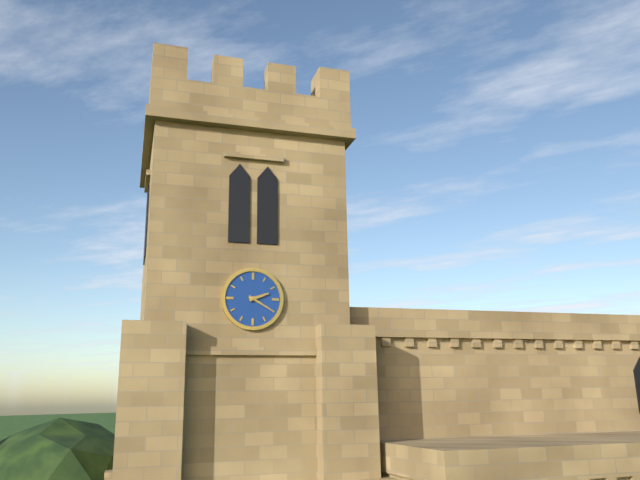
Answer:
{"hour": 2, "minute": 20}
